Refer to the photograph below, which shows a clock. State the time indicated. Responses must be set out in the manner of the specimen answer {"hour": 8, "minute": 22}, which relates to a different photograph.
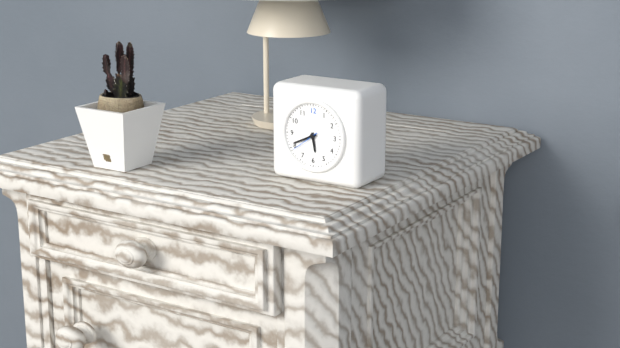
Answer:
{"hour": 5, "minute": 41}
